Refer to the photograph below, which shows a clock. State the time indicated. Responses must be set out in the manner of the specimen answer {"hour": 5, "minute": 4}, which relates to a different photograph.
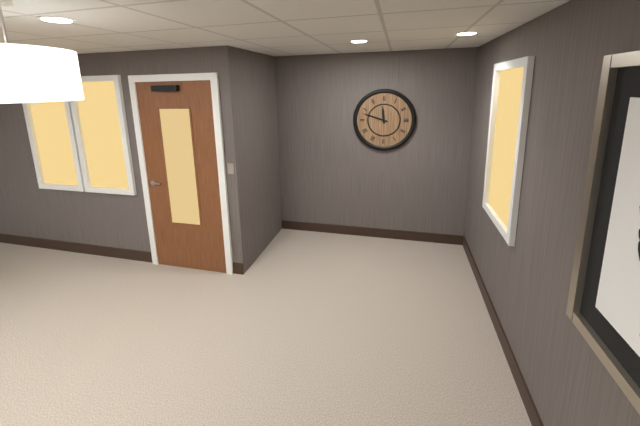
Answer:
{"hour": 11, "minute": 48}
